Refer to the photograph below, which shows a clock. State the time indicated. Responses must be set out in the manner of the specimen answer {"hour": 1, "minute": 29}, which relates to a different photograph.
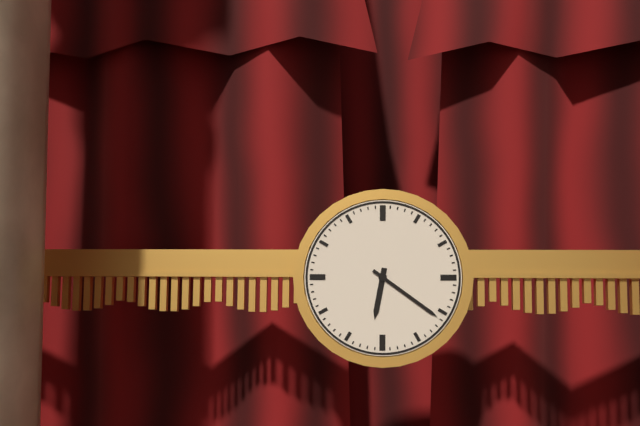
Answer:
{"hour": 6, "minute": 21}
